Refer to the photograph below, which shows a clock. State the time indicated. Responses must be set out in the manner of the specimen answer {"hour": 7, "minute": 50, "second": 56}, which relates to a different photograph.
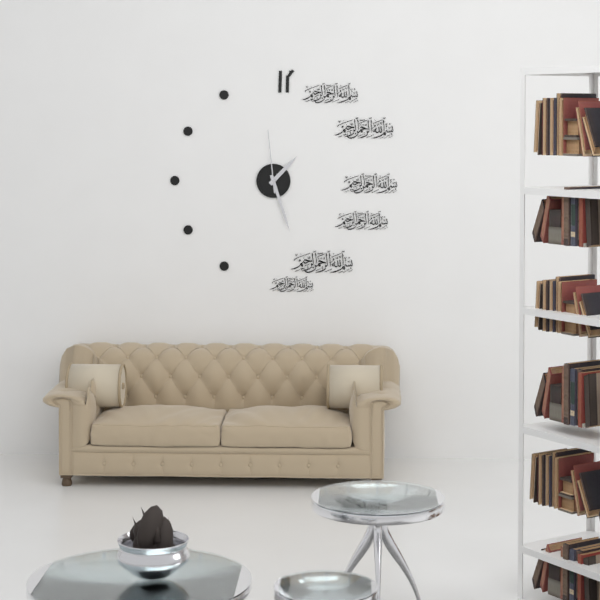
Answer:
{"hour": 1, "minute": 27, "second": 59}
